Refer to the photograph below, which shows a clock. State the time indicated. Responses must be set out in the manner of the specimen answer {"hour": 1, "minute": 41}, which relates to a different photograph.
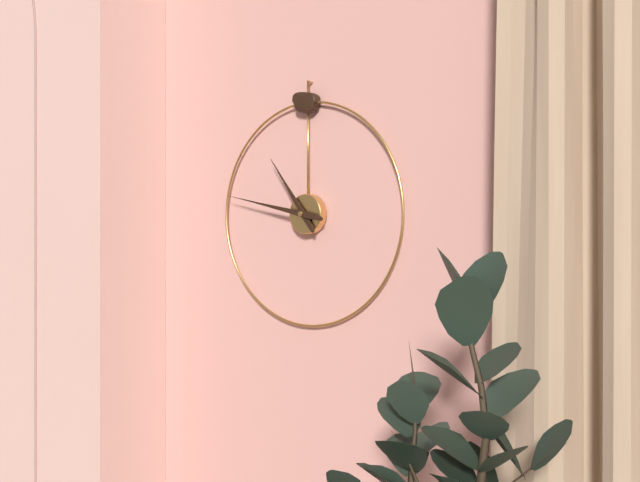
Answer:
{"hour": 10, "minute": 47}
